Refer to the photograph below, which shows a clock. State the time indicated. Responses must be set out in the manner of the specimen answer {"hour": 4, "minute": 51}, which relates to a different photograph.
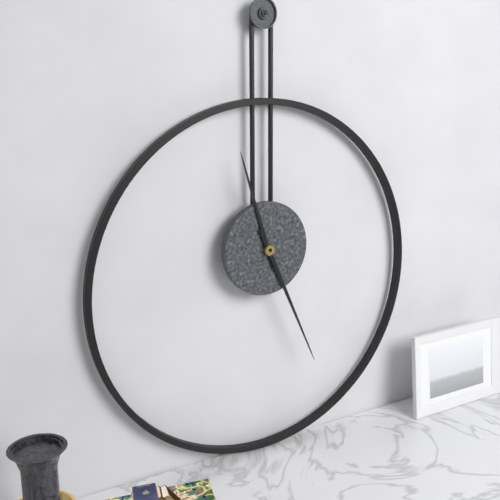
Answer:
{"hour": 11, "minute": 26}
